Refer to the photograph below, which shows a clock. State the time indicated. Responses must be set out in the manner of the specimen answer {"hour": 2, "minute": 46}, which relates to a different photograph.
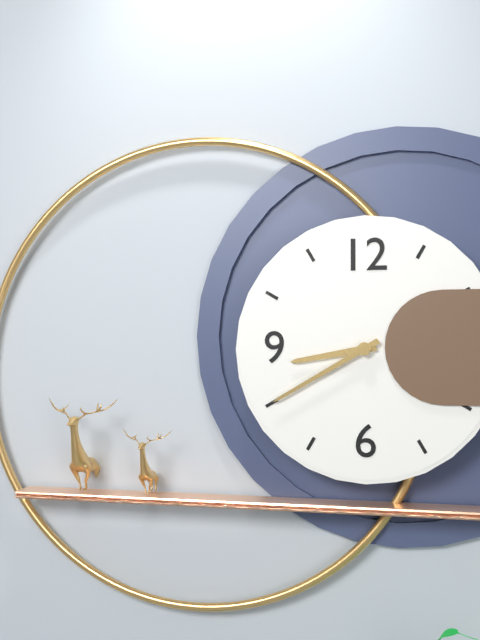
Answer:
{"hour": 8, "minute": 40}
